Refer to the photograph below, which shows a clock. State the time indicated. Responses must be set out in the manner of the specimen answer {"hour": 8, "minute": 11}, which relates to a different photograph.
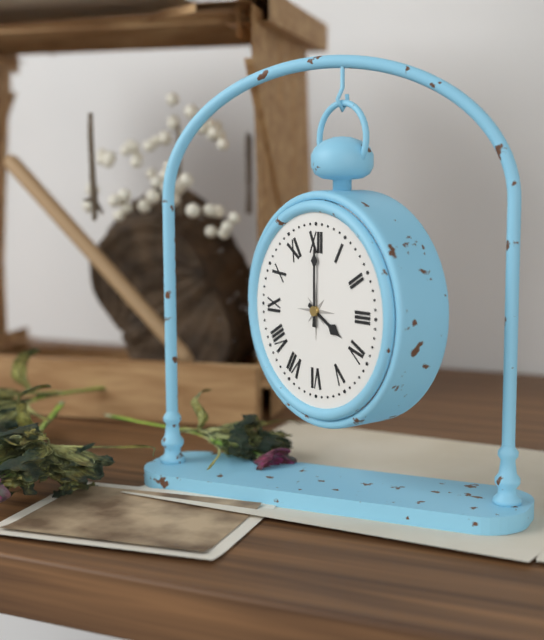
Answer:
{"hour": 4, "minute": 0}
